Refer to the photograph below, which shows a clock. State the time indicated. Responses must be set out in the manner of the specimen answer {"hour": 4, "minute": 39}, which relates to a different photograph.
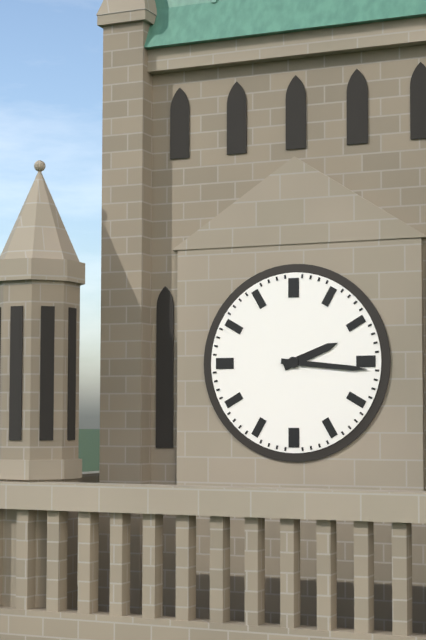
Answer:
{"hour": 2, "minute": 16}
